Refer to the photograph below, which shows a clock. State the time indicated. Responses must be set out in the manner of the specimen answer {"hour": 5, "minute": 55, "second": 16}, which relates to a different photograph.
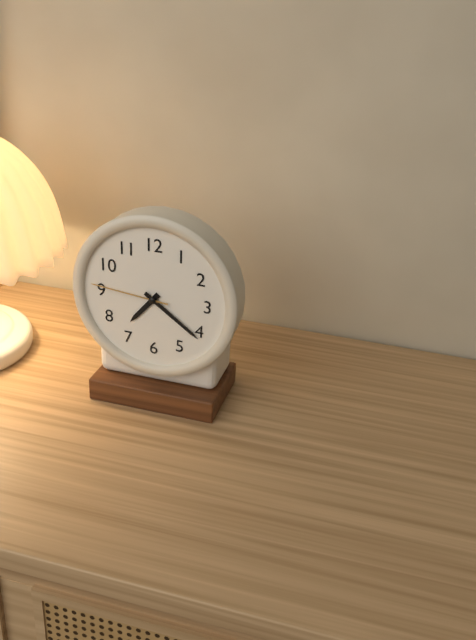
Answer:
{"hour": 7, "minute": 21, "second": 46}
